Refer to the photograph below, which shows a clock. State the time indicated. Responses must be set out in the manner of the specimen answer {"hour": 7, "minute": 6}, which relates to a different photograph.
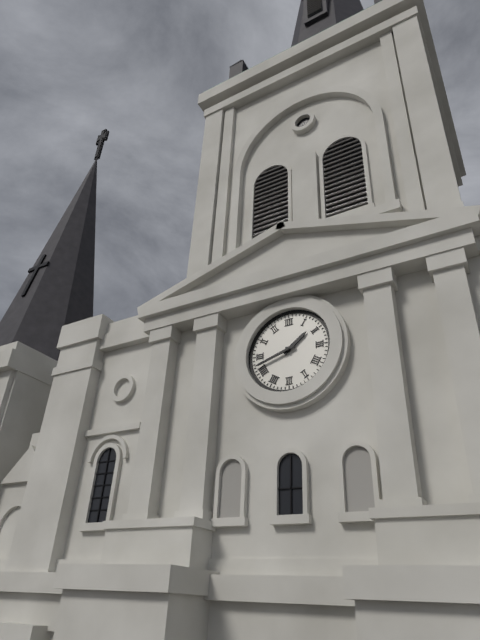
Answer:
{"hour": 1, "minute": 42}
